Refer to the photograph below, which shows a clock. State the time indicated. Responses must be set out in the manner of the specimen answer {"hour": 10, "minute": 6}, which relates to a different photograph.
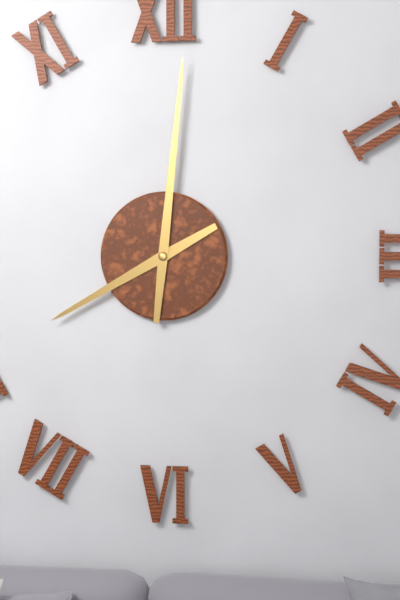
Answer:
{"hour": 8, "minute": 1}
